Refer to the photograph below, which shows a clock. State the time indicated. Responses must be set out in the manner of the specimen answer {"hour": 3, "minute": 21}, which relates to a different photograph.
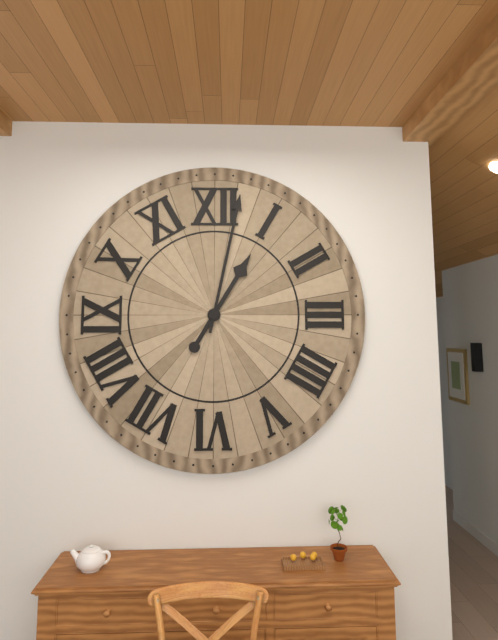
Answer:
{"hour": 1, "minute": 2}
